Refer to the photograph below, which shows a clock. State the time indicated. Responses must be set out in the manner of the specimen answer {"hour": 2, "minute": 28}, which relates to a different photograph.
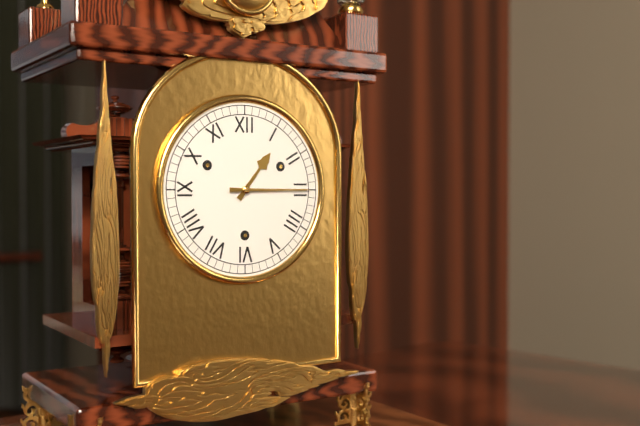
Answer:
{"hour": 1, "minute": 15}
